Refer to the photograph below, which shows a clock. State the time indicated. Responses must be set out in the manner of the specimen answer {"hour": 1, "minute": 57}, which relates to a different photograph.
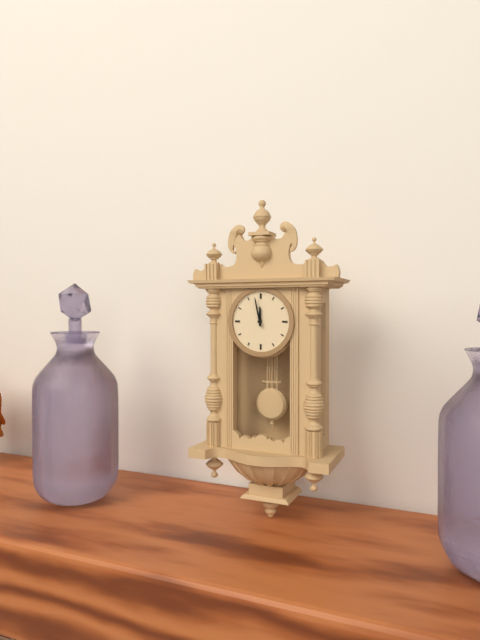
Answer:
{"hour": 11, "minute": 58}
